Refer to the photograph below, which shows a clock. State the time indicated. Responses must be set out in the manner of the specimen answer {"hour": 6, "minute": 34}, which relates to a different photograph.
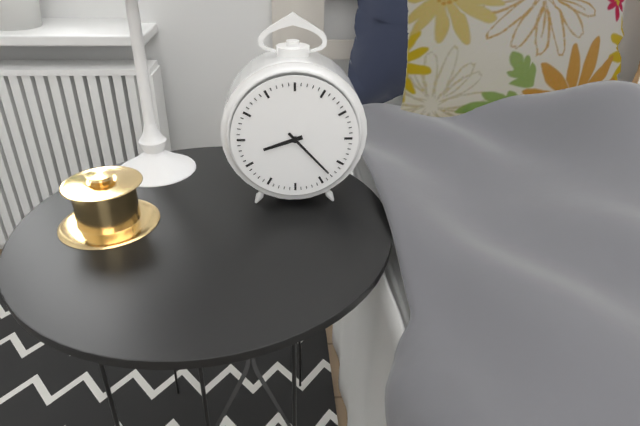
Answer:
{"hour": 8, "minute": 23}
